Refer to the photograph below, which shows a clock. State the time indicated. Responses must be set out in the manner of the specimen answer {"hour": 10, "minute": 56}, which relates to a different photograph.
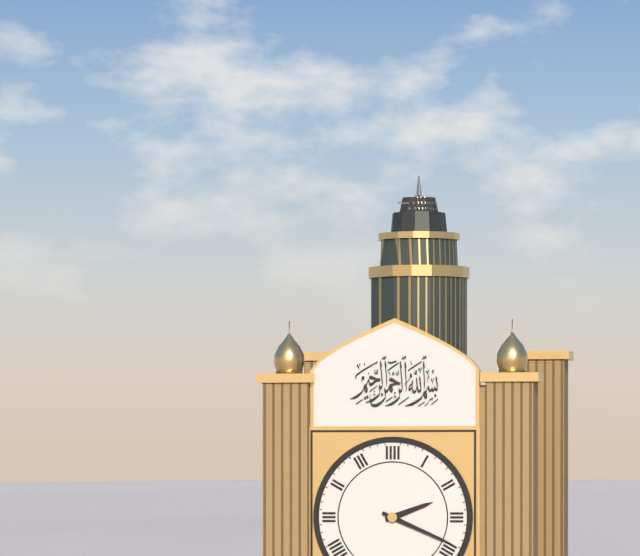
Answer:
{"hour": 2, "minute": 19}
